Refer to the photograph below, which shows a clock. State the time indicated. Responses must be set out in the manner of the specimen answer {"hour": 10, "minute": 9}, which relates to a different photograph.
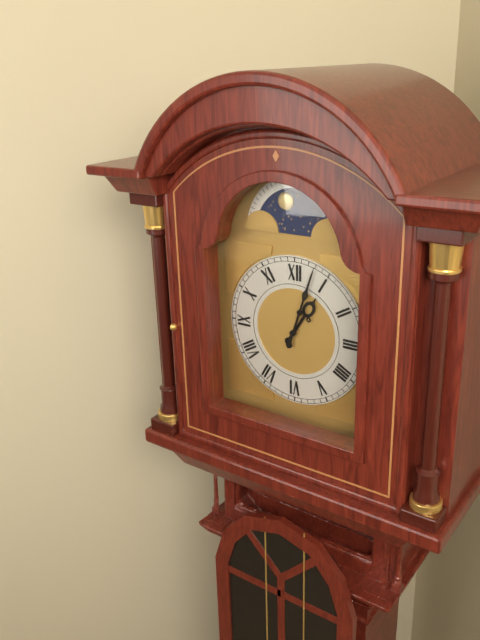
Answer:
{"hour": 1, "minute": 3}
